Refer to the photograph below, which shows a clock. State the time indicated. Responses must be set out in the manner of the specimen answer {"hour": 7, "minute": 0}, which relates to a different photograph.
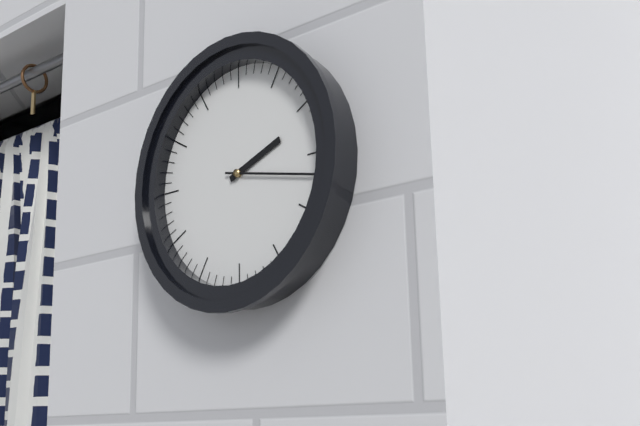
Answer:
{"hour": 2, "minute": 17}
